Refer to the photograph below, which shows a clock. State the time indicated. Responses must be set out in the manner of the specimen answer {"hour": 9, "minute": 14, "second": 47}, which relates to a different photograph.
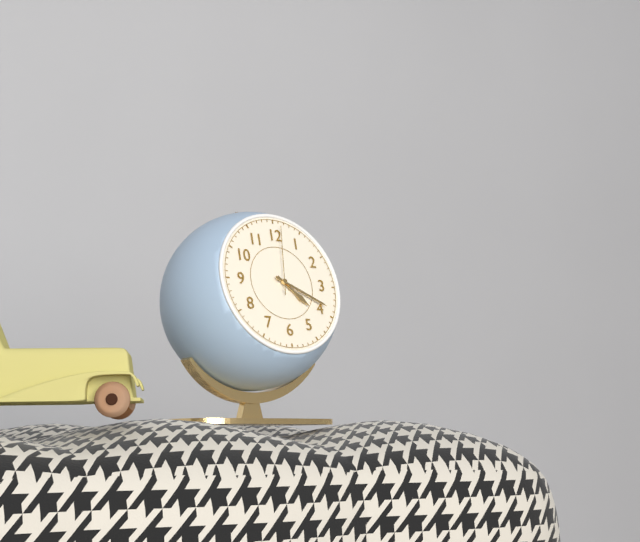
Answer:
{"hour": 4, "minute": 19, "second": 1}
